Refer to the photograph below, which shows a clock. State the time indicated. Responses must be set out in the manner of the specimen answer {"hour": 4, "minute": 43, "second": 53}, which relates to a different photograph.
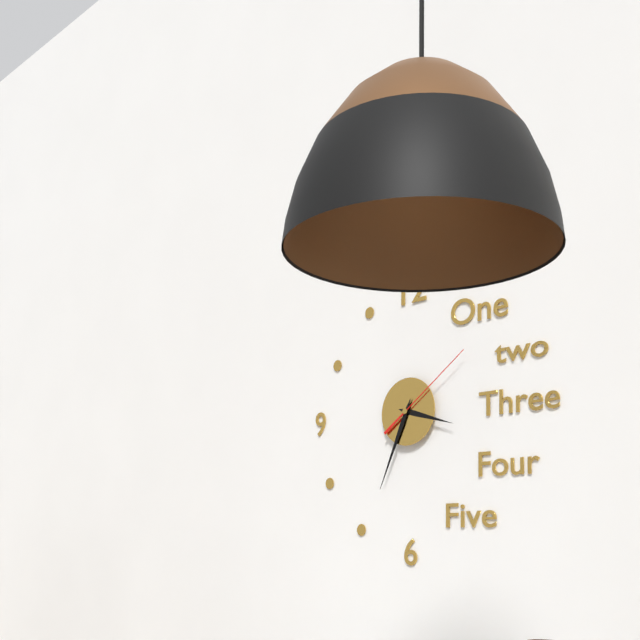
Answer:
{"hour": 3, "minute": 34, "second": 9}
